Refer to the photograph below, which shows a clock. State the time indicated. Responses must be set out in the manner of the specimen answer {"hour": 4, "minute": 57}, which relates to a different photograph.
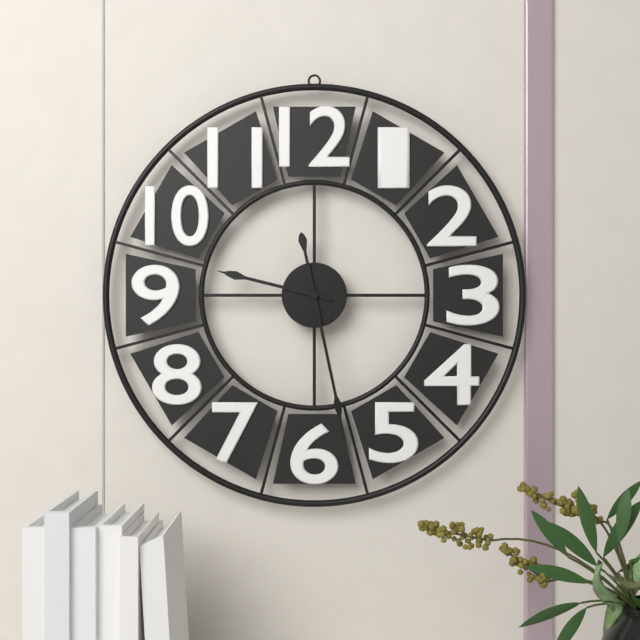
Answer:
{"hour": 9, "minute": 28}
